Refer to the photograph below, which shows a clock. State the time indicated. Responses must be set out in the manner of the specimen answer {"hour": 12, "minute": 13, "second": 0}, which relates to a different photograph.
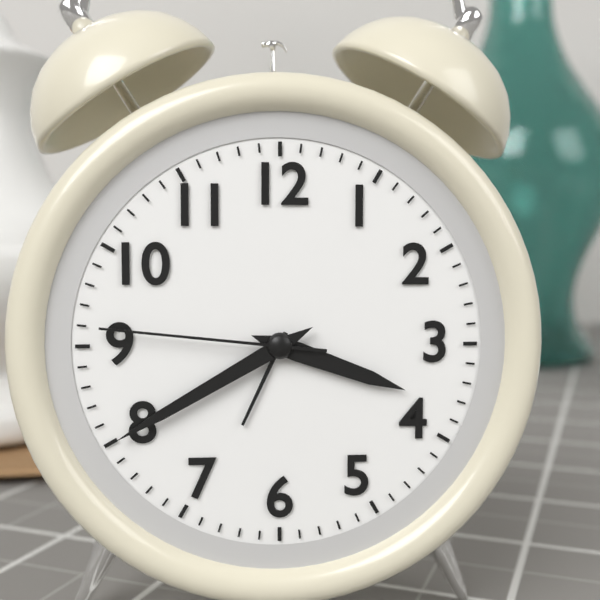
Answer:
{"hour": 3, "minute": 40, "second": 46}
